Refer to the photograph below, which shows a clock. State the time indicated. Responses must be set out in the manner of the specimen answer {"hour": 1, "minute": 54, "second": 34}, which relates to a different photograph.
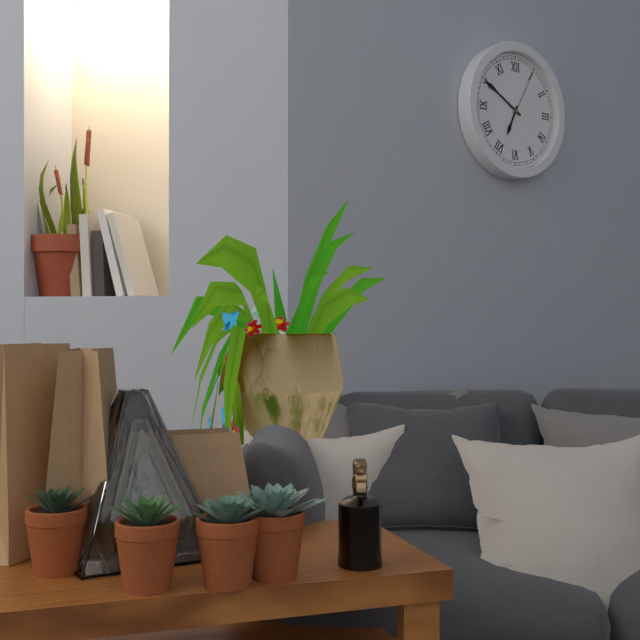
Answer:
{"hour": 6, "minute": 50, "second": 5}
